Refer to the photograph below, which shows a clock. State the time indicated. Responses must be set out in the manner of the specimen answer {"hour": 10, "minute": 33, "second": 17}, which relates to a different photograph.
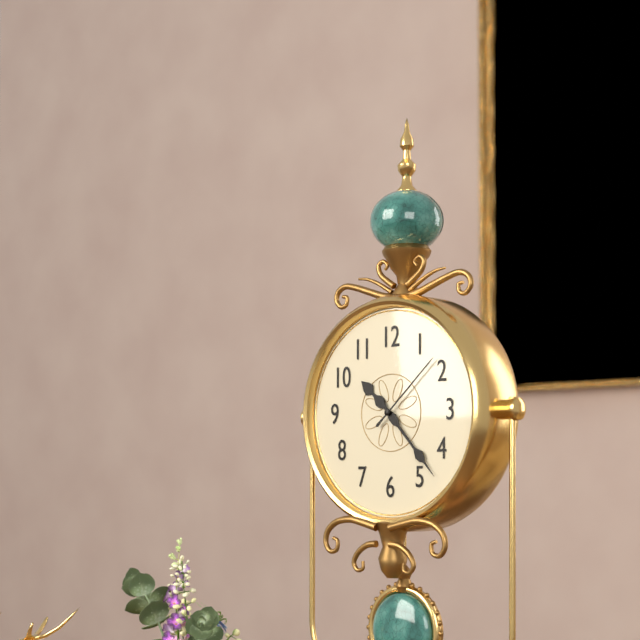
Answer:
{"hour": 10, "minute": 23, "second": 8}
